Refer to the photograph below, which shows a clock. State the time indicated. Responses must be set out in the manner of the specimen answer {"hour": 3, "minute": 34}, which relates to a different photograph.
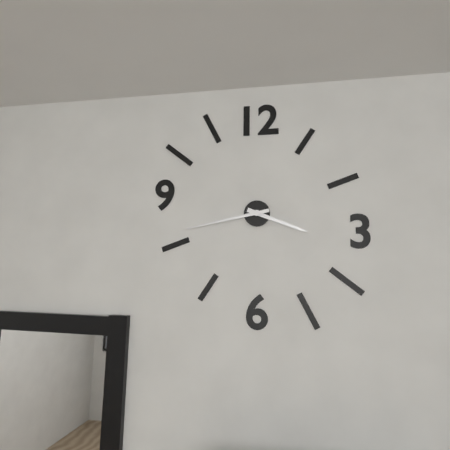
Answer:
{"hour": 3, "minute": 43}
